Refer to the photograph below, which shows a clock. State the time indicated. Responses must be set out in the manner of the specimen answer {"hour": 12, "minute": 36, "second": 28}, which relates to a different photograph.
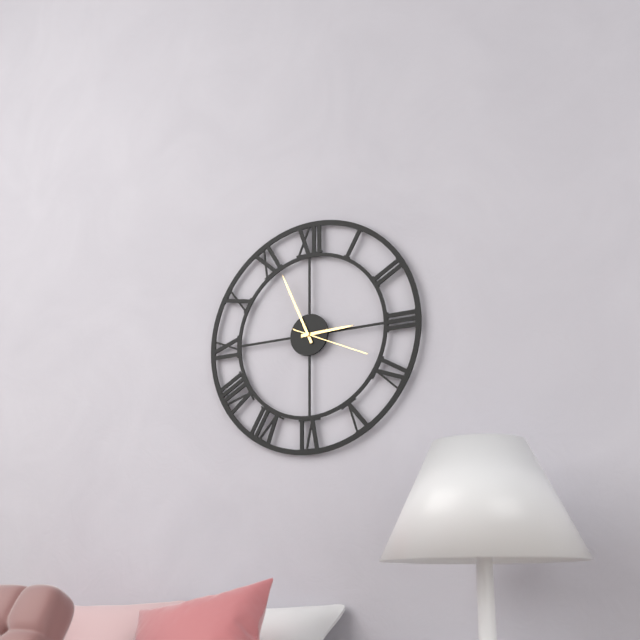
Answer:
{"hour": 2, "minute": 56, "second": 19}
